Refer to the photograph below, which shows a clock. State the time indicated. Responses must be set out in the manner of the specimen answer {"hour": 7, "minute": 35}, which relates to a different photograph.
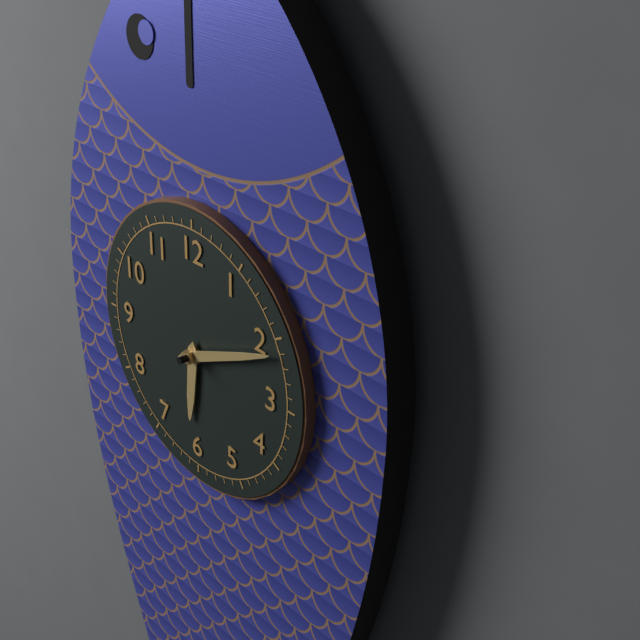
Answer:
{"hour": 6, "minute": 11}
